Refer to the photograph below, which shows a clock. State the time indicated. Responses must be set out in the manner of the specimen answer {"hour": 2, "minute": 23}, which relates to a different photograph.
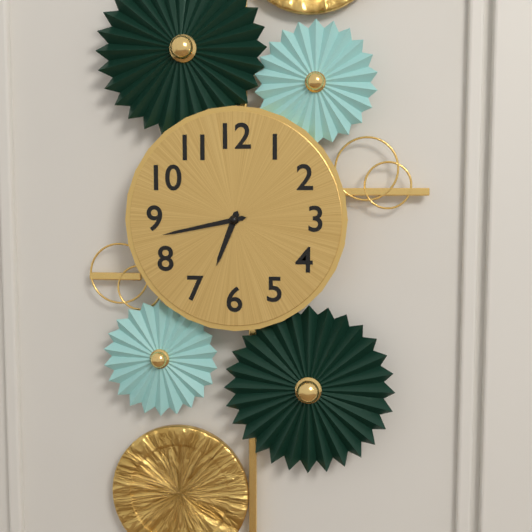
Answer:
{"hour": 6, "minute": 43}
